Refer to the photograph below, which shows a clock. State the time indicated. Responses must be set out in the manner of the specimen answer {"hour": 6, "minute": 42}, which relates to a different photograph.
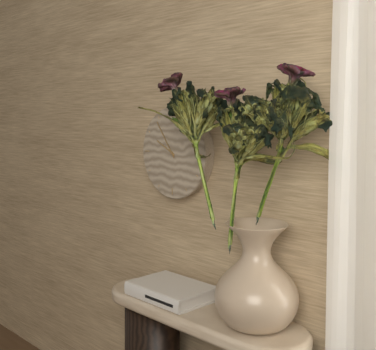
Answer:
{"hour": 9, "minute": 54}
